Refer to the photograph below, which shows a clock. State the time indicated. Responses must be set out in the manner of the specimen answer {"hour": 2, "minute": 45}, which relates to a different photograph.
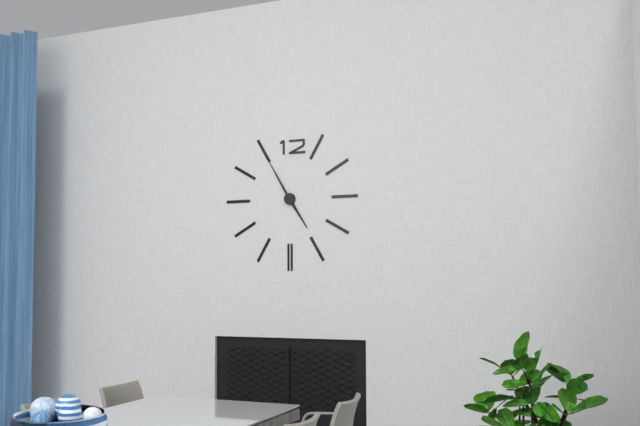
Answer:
{"hour": 4, "minute": 55}
